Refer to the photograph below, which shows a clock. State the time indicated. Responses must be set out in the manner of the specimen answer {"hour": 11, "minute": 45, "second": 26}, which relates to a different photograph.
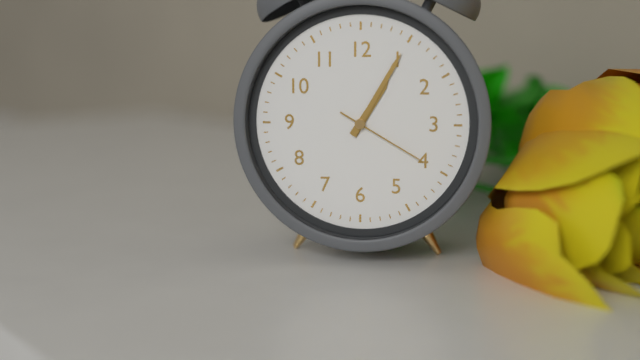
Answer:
{"hour": 1, "minute": 5, "second": 20}
